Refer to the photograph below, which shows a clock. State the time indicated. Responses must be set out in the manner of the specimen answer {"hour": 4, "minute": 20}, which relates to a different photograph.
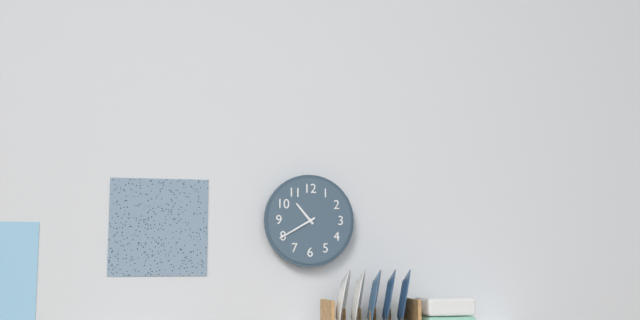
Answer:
{"hour": 10, "minute": 40}
